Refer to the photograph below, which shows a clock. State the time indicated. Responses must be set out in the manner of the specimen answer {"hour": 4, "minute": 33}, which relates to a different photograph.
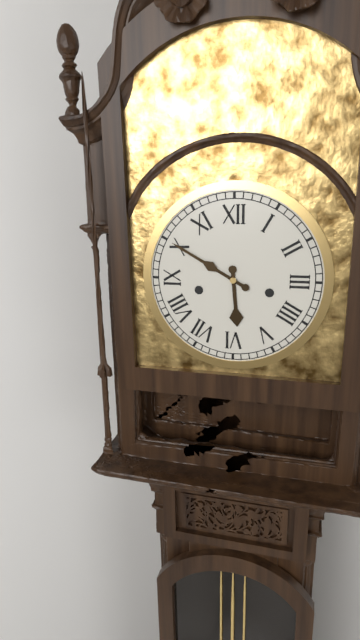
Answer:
{"hour": 5, "minute": 50}
